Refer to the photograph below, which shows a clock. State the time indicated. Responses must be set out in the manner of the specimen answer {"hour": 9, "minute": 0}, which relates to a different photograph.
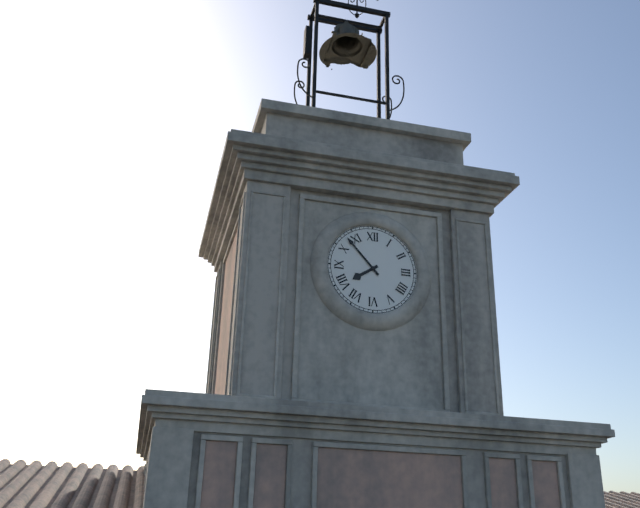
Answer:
{"hour": 7, "minute": 53}
